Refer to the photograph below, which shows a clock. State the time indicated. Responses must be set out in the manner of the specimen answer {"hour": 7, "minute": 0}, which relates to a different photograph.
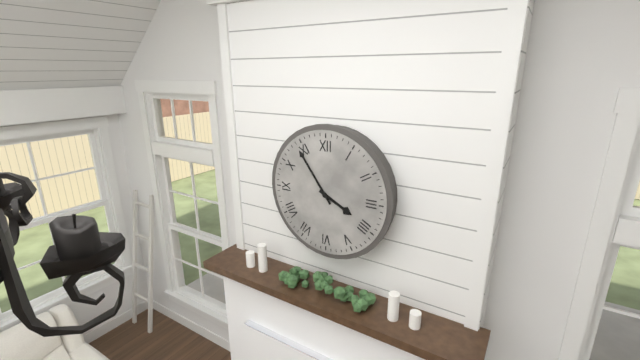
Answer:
{"hour": 3, "minute": 54}
